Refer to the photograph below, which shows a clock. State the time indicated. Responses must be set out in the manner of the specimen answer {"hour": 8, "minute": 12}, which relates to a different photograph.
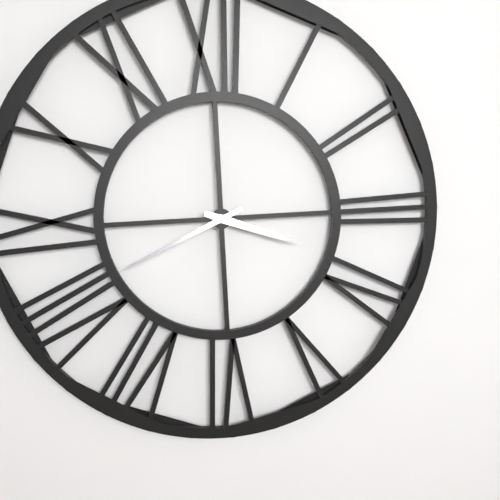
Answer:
{"hour": 3, "minute": 41}
